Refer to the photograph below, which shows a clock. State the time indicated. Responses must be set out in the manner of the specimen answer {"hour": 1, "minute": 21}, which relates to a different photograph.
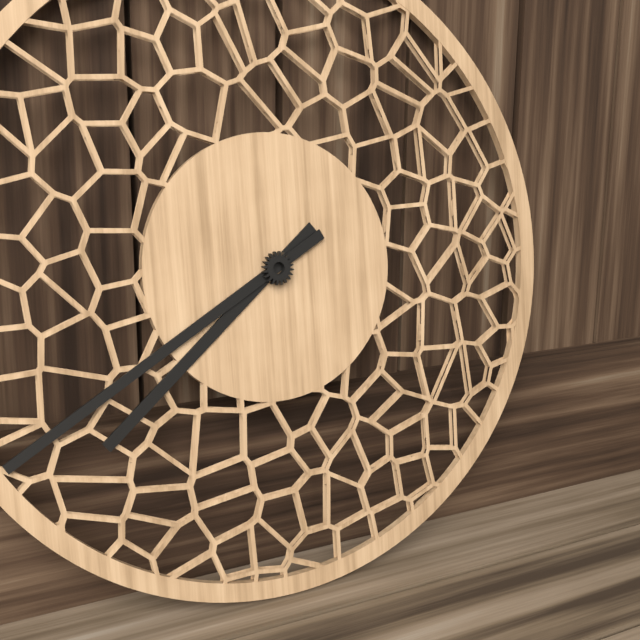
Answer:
{"hour": 7, "minute": 40}
